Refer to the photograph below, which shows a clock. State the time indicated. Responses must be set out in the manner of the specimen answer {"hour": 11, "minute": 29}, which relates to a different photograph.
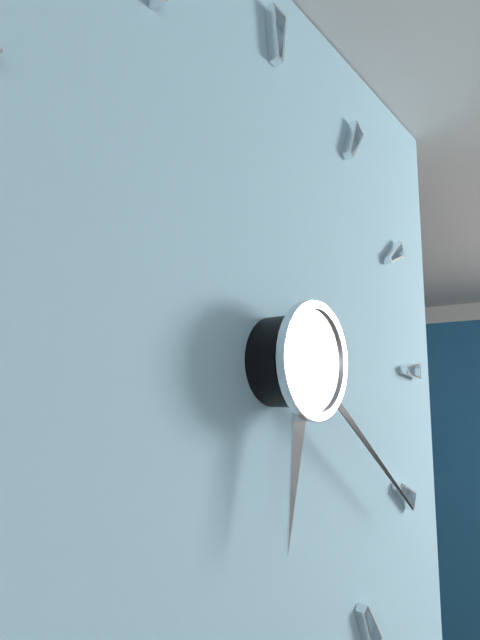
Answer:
{"hour": 6, "minute": 21}
